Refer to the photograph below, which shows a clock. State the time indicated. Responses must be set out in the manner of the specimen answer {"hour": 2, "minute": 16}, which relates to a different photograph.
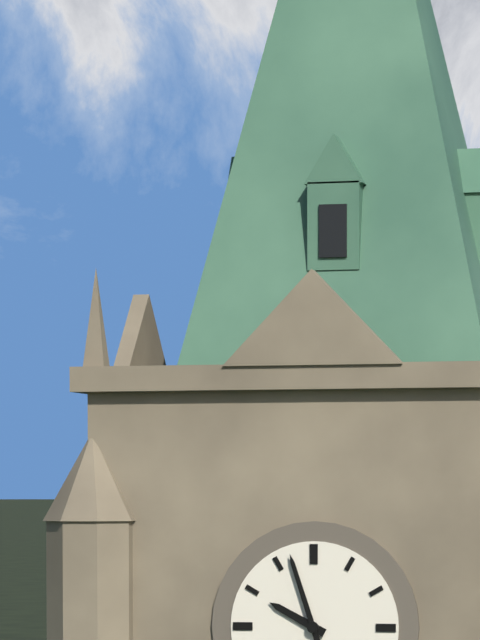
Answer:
{"hour": 9, "minute": 57}
